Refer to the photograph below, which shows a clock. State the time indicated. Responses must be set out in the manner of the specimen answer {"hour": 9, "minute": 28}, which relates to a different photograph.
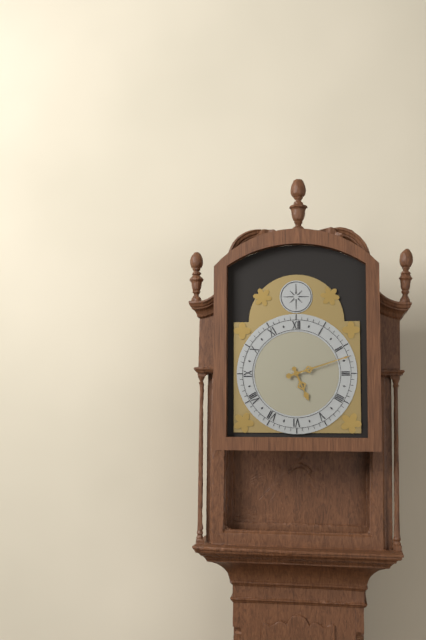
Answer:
{"hour": 5, "minute": 12}
